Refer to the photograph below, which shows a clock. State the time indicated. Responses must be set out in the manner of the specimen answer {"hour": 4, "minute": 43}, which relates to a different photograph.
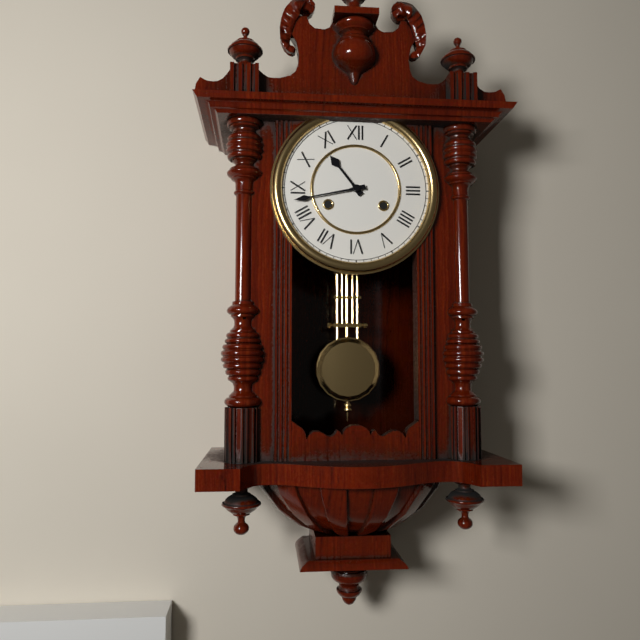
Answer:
{"hour": 10, "minute": 43}
